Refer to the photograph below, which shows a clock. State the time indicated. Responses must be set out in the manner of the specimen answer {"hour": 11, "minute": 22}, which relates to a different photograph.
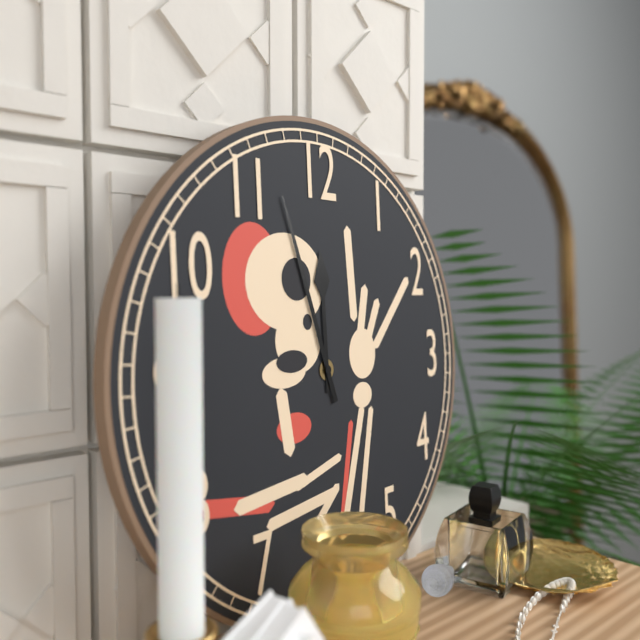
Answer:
{"hour": 11, "minute": 57}
